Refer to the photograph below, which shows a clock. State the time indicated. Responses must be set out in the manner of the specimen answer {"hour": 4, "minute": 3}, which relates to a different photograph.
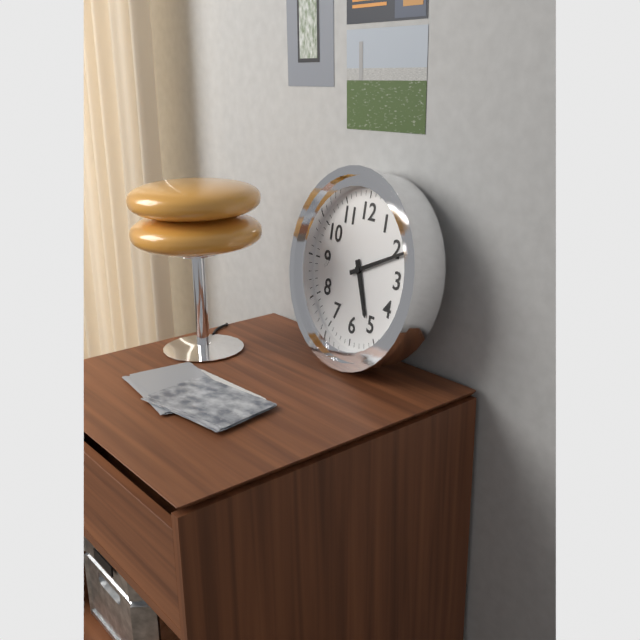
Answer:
{"hour": 5, "minute": 11}
